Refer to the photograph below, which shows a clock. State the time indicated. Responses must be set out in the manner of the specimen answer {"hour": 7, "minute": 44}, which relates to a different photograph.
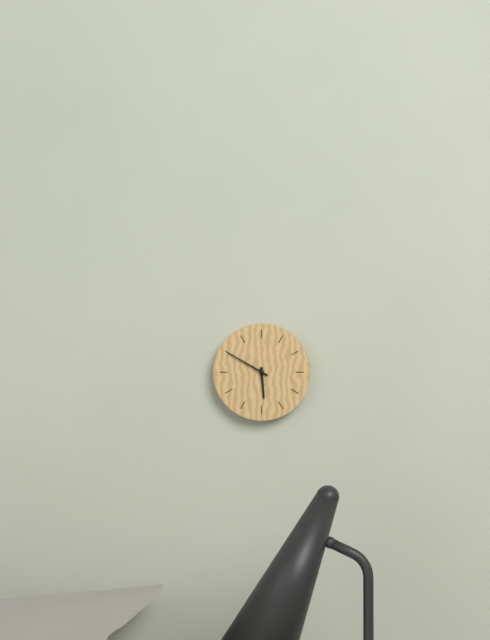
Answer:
{"hour": 5, "minute": 50}
